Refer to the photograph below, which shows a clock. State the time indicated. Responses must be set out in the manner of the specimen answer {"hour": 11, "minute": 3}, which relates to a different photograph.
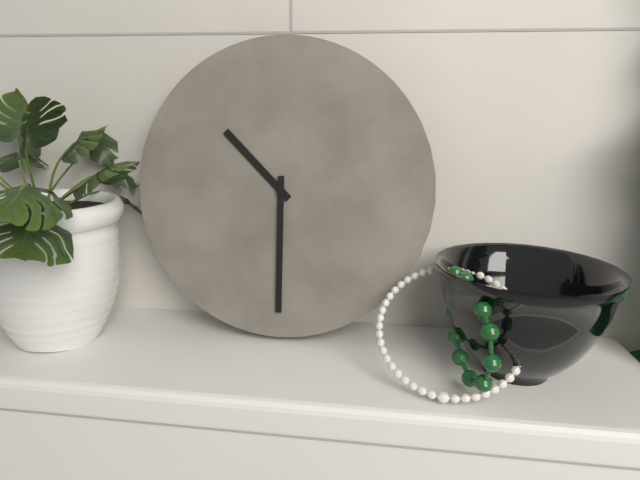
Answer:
{"hour": 10, "minute": 30}
